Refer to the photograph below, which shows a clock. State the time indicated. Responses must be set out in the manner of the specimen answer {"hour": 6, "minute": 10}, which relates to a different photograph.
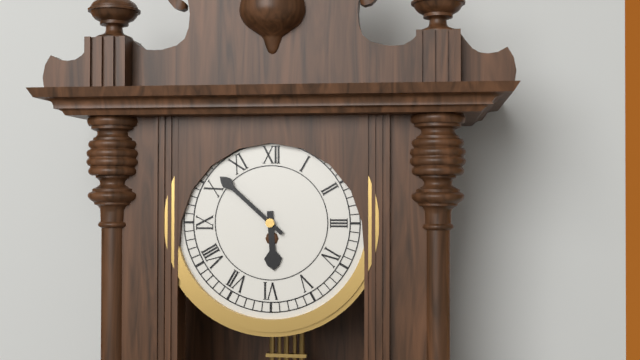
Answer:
{"hour": 5, "minute": 52}
